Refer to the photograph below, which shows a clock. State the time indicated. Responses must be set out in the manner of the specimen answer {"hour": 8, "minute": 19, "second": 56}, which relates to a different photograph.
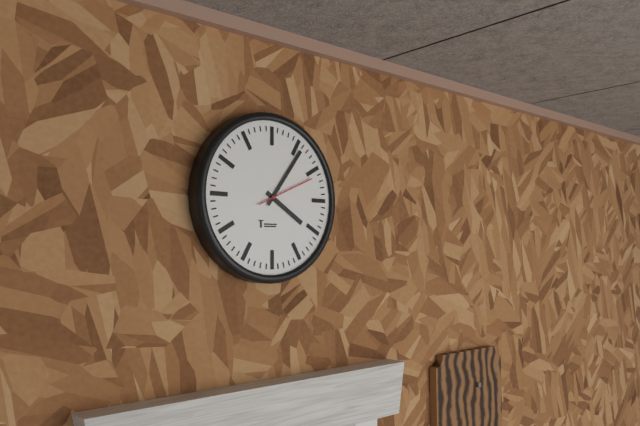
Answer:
{"hour": 4, "minute": 6, "second": 11}
